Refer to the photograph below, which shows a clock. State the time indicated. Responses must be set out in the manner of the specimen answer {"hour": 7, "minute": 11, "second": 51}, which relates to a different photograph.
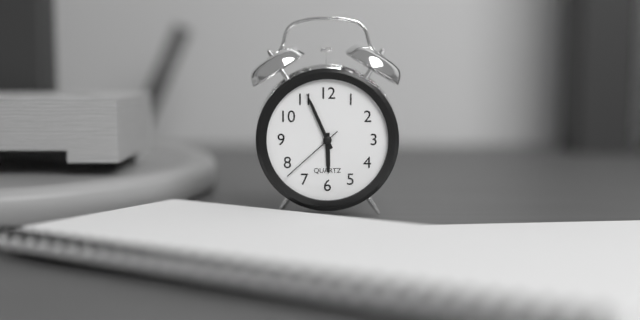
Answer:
{"hour": 5, "minute": 56, "second": 38}
